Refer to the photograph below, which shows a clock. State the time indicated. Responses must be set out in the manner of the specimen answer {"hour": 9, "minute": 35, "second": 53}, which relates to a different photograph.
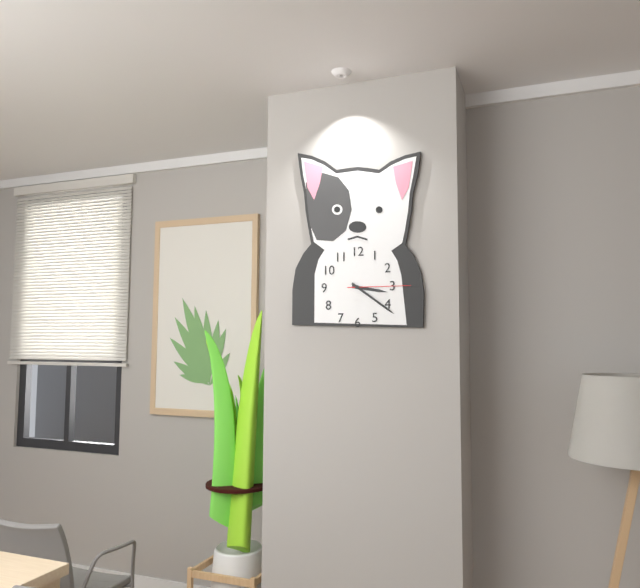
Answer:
{"hour": 3, "minute": 21, "second": 15}
